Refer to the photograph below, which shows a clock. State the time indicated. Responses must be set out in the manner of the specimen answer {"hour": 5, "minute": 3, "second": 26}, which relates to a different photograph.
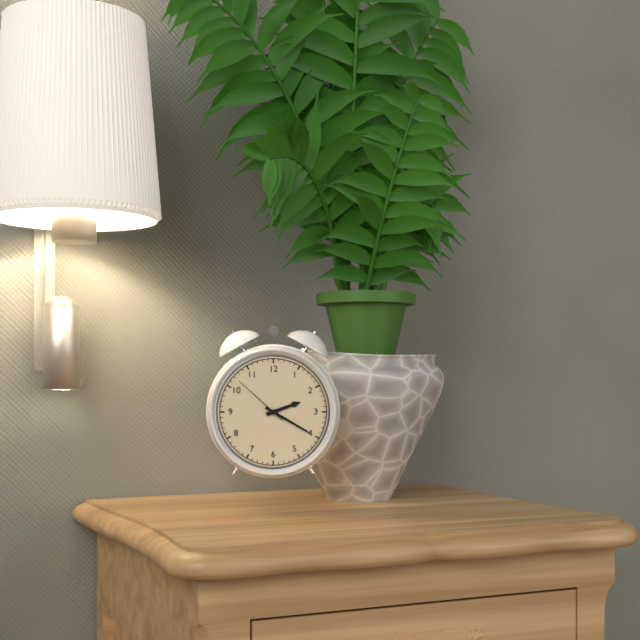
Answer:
{"hour": 2, "minute": 20, "second": 52}
